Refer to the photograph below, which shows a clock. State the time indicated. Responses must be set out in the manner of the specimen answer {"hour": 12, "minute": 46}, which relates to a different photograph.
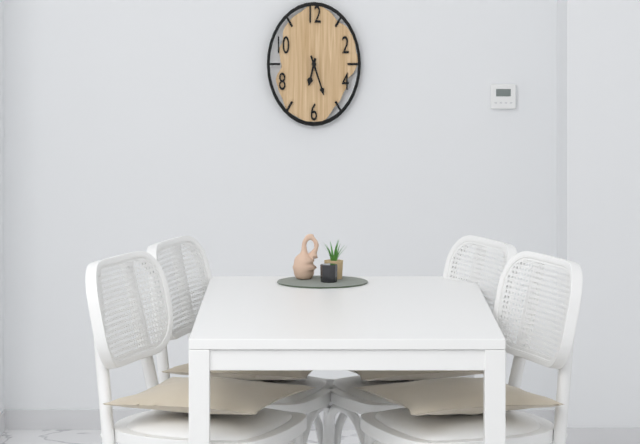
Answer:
{"hour": 6, "minute": 27}
